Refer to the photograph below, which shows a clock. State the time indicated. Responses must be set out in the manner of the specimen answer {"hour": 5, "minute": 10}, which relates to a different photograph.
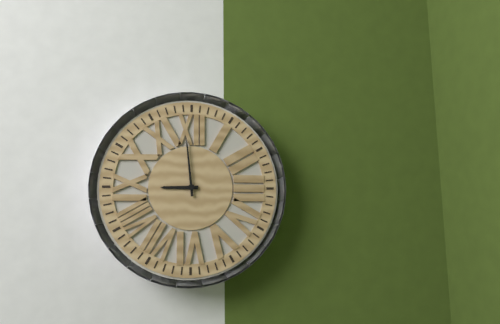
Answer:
{"hour": 8, "minute": 59}
